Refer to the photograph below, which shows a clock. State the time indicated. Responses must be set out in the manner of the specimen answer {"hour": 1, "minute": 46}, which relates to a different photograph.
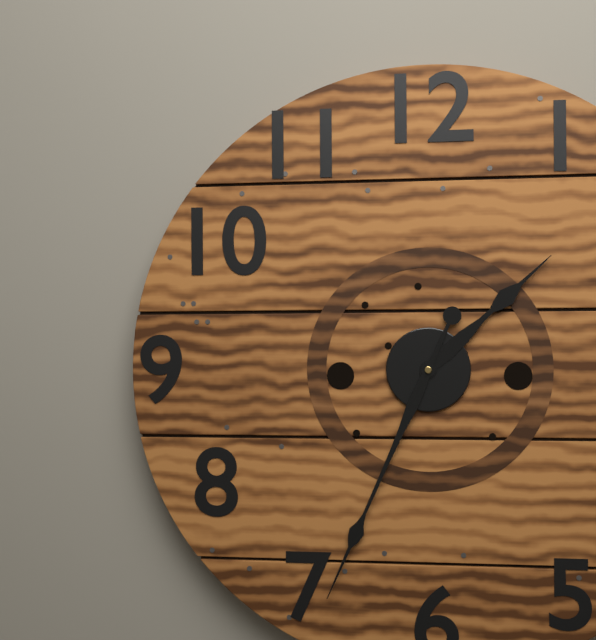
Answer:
{"hour": 1, "minute": 34}
